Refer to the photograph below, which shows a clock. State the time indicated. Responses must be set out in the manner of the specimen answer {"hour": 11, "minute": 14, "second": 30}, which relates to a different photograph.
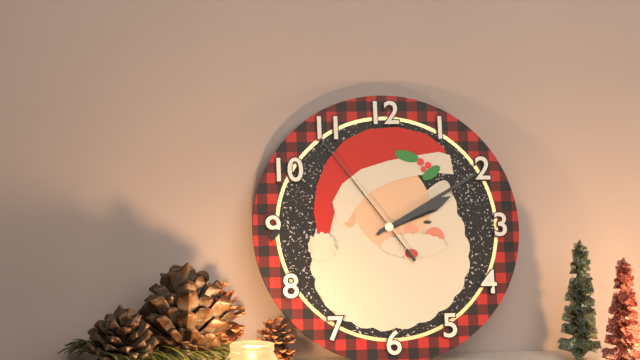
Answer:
{"hour": 2, "minute": 10, "second": 54}
